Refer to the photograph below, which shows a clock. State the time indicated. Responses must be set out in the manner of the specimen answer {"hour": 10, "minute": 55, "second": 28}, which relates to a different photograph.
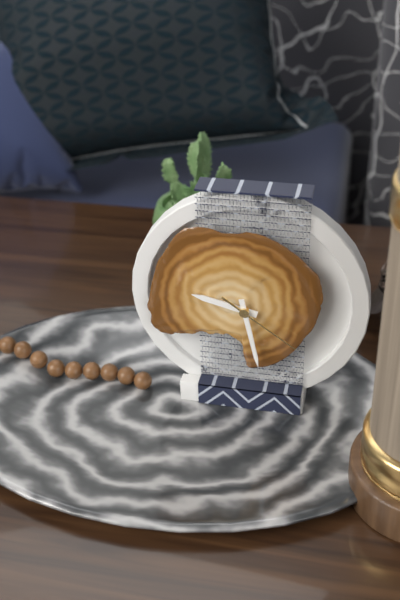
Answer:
{"hour": 9, "minute": 28, "second": 21}
